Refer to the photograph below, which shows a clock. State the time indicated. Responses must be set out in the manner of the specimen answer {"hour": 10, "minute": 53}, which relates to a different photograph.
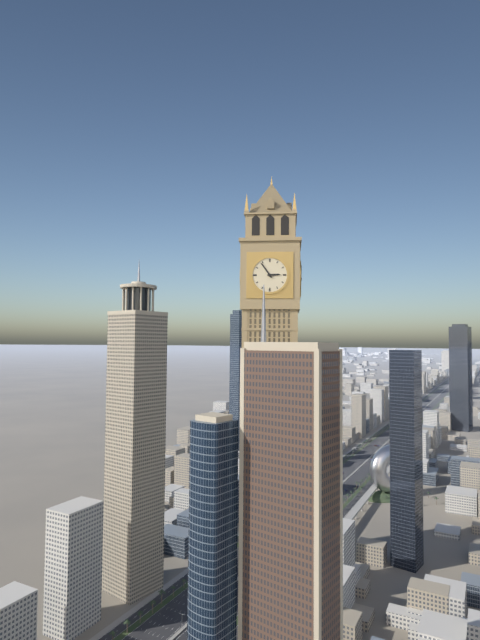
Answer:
{"hour": 2, "minute": 54}
